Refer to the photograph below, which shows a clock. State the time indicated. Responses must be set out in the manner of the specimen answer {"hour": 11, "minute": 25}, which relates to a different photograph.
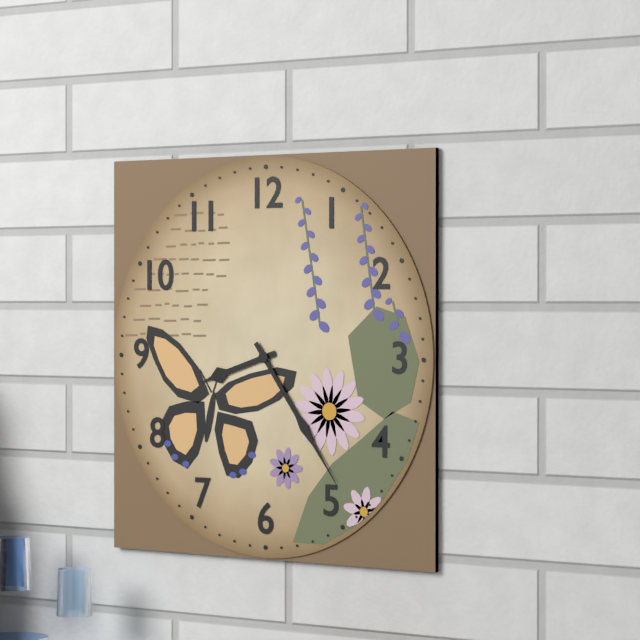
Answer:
{"hour": 8, "minute": 24}
